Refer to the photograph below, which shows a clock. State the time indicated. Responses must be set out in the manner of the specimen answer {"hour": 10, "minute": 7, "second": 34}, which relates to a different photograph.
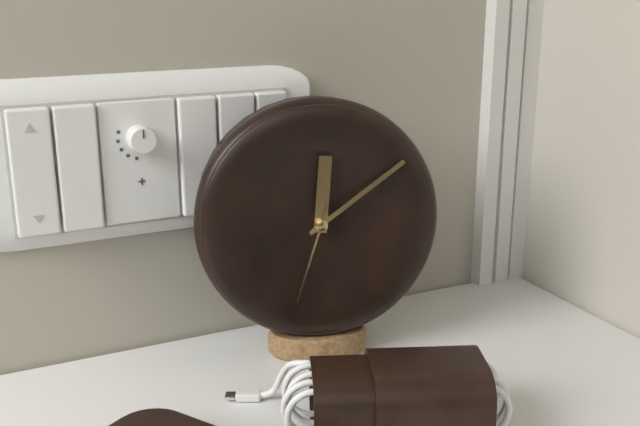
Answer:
{"hour": 12, "minute": 9, "second": 33}
